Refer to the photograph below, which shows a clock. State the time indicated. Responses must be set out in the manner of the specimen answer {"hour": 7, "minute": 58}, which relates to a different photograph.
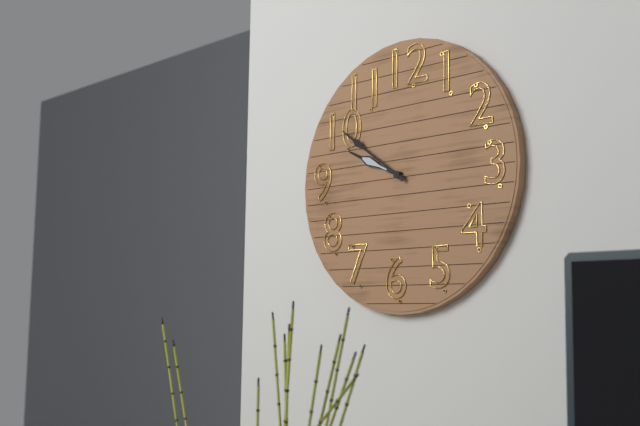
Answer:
{"hour": 9, "minute": 51}
